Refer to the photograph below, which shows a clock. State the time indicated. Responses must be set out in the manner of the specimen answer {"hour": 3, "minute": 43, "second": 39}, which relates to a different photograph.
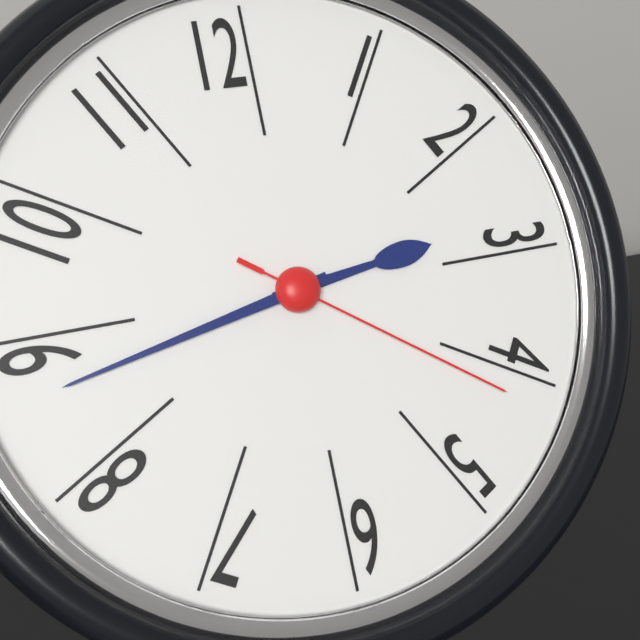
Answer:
{"hour": 2, "minute": 43, "second": 21}
